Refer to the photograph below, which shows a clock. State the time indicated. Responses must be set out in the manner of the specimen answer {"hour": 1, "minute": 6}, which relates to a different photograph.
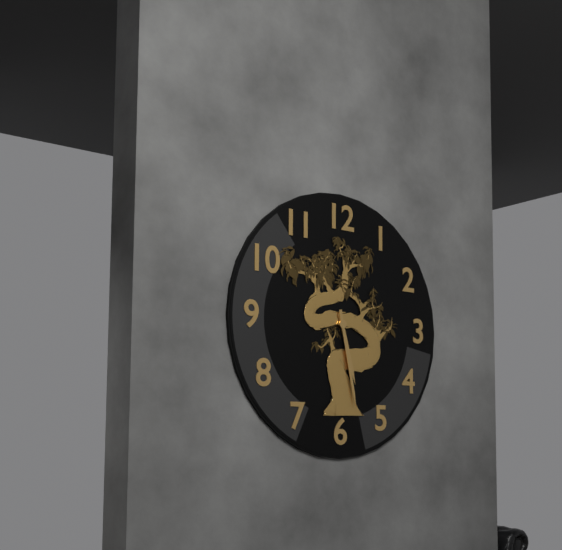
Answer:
{"hour": 5, "minute": 28}
